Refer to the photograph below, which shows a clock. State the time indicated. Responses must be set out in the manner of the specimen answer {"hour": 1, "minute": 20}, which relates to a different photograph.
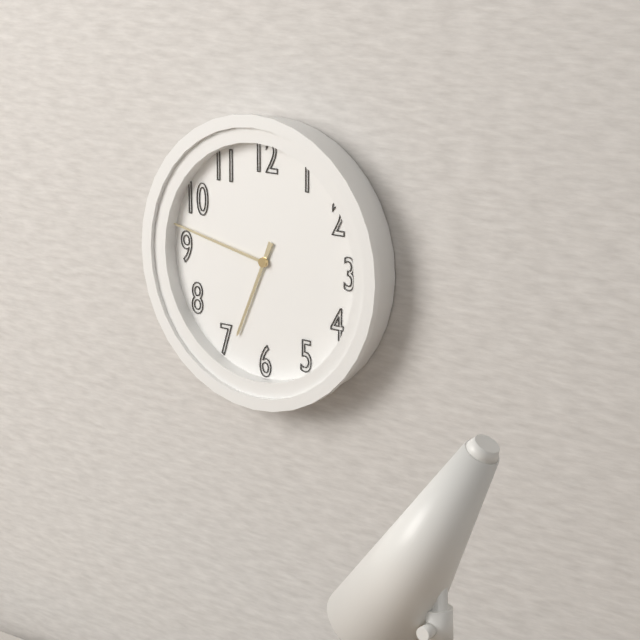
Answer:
{"hour": 6, "minute": 47}
